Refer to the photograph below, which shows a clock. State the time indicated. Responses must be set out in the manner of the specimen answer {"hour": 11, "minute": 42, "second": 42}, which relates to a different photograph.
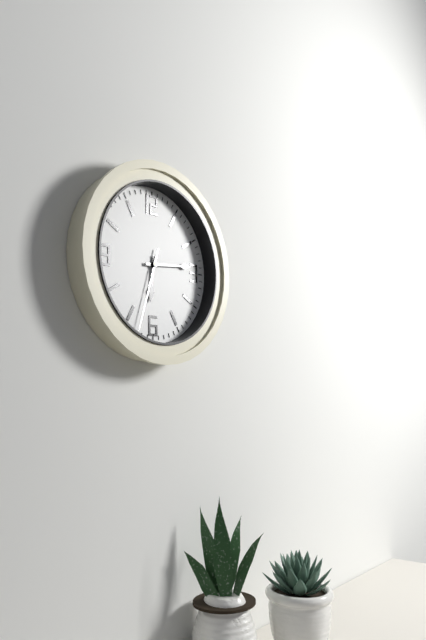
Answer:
{"hour": 6, "minute": 14, "second": 33}
